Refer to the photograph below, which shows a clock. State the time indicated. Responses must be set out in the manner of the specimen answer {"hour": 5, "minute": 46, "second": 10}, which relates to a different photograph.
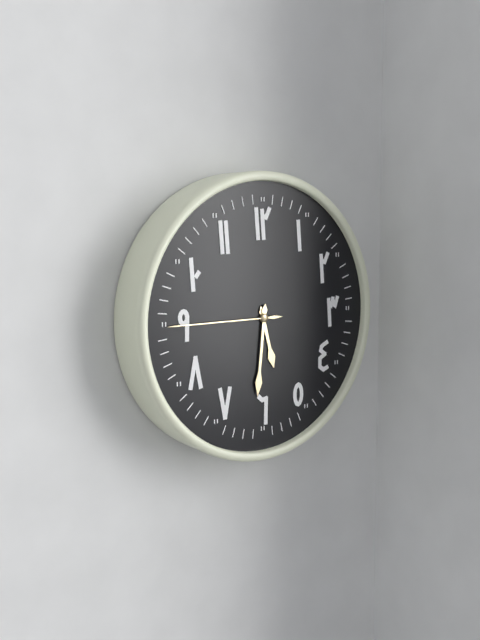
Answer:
{"hour": 5, "minute": 31, "second": 45}
